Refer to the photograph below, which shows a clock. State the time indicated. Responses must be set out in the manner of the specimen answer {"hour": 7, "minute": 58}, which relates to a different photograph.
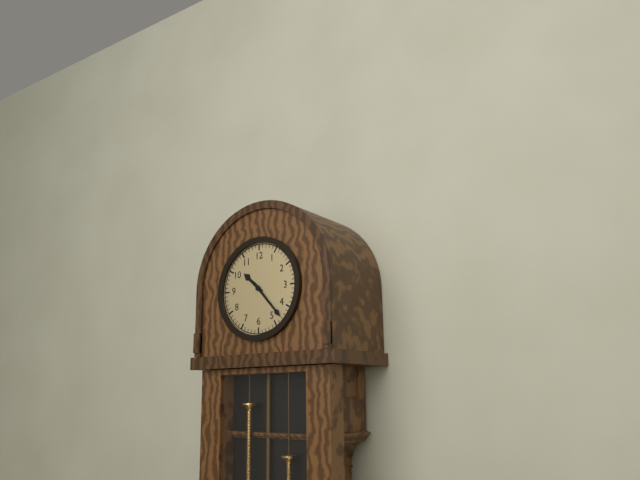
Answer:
{"hour": 10, "minute": 23}
